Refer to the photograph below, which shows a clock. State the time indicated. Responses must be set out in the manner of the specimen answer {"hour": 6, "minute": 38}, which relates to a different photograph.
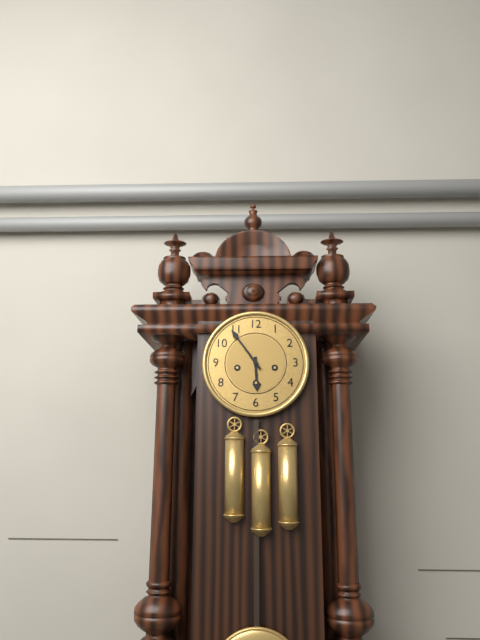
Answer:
{"hour": 5, "minute": 54}
